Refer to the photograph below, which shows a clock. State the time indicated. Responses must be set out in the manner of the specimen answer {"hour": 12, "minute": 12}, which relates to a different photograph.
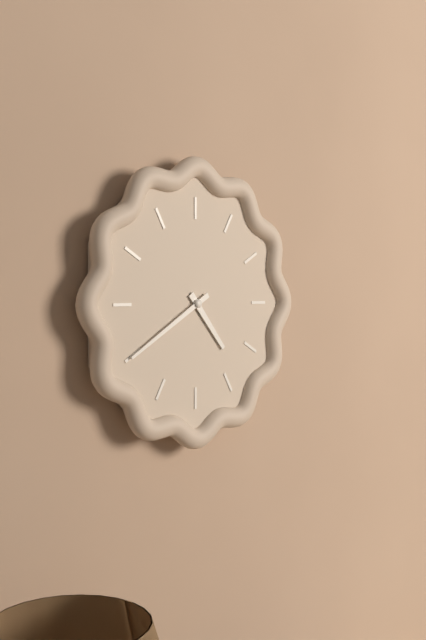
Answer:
{"hour": 4, "minute": 40}
